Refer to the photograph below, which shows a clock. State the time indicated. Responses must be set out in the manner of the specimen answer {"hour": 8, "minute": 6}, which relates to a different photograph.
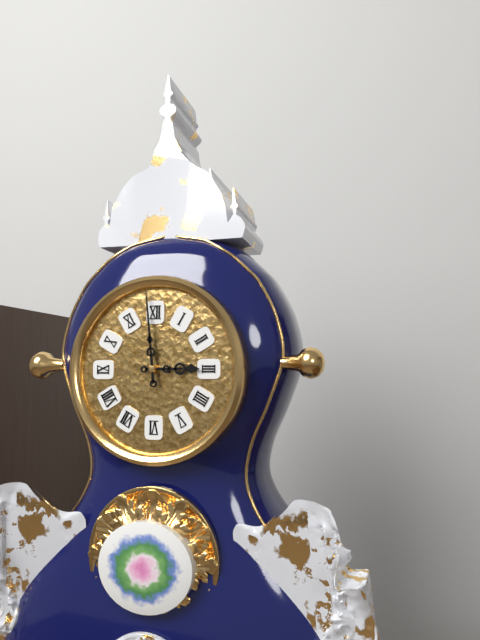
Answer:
{"hour": 2, "minute": 59}
